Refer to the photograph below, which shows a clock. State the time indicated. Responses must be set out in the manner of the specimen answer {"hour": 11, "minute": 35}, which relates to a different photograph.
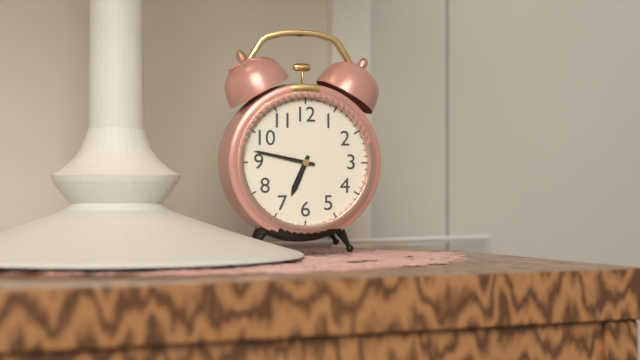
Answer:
{"hour": 6, "minute": 47}
